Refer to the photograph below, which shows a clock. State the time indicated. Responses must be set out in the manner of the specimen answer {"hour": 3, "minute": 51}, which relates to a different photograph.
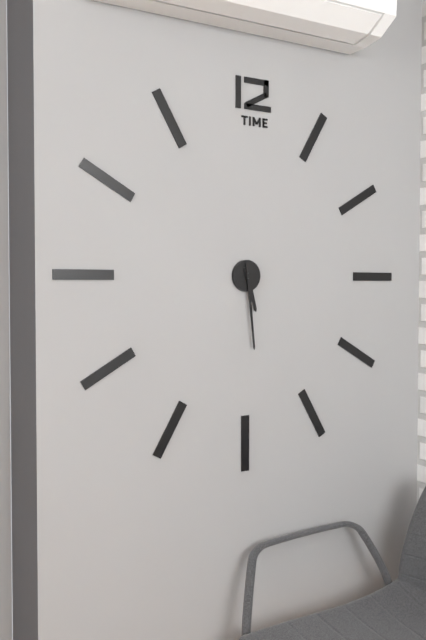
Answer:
{"hour": 5, "minute": 29}
